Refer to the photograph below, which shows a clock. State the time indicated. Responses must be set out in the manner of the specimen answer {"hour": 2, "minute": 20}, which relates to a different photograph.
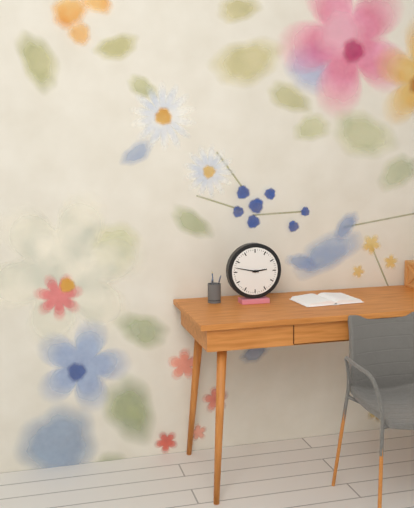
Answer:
{"hour": 2, "minute": 47}
